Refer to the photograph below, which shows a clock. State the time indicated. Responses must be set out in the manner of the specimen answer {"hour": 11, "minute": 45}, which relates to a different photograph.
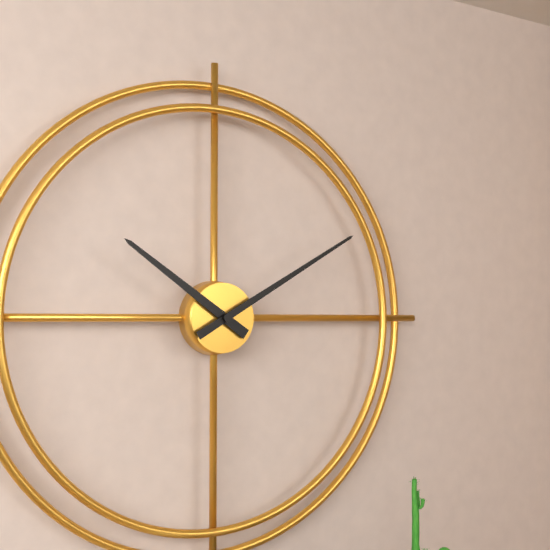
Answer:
{"hour": 10, "minute": 10}
